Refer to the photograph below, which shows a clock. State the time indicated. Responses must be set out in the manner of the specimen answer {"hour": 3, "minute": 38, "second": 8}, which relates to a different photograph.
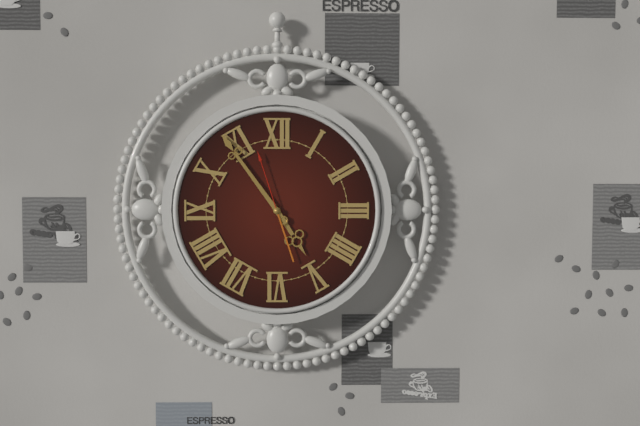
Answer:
{"hour": 4, "minute": 54, "second": 57}
